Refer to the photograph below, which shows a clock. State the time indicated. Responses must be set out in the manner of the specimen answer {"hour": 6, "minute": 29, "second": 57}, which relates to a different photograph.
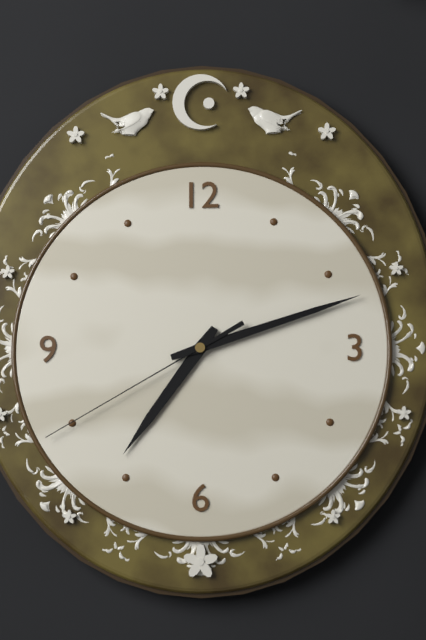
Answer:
{"hour": 7, "minute": 12, "second": 40}
